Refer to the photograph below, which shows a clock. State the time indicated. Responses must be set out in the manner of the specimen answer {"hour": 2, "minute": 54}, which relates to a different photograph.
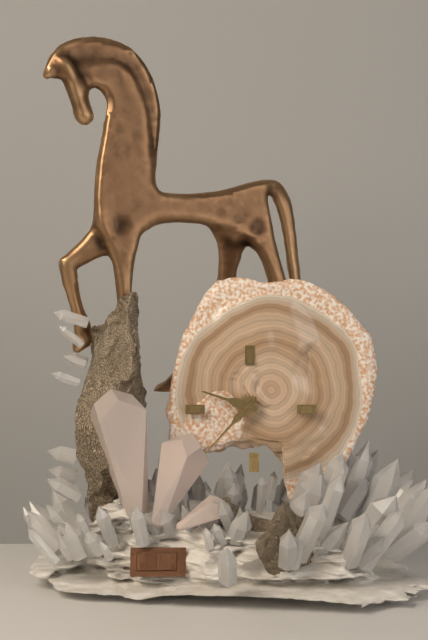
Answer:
{"hour": 9, "minute": 37}
